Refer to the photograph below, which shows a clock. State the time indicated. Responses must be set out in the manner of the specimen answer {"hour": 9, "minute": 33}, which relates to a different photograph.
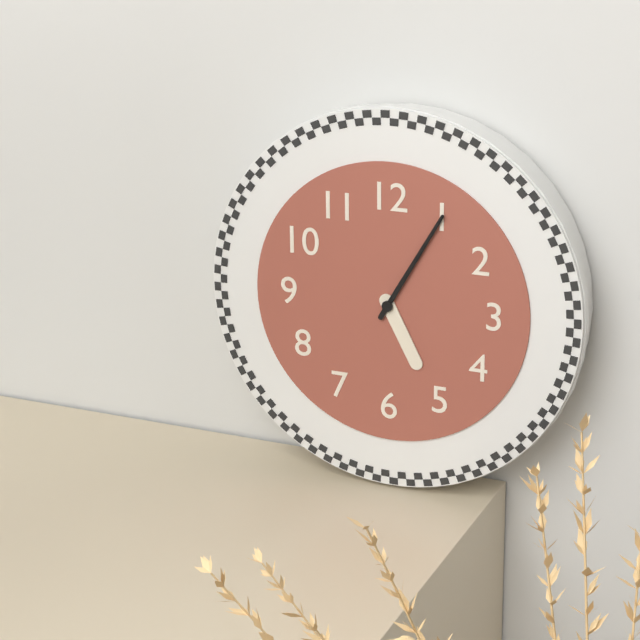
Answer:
{"hour": 5, "minute": 5}
